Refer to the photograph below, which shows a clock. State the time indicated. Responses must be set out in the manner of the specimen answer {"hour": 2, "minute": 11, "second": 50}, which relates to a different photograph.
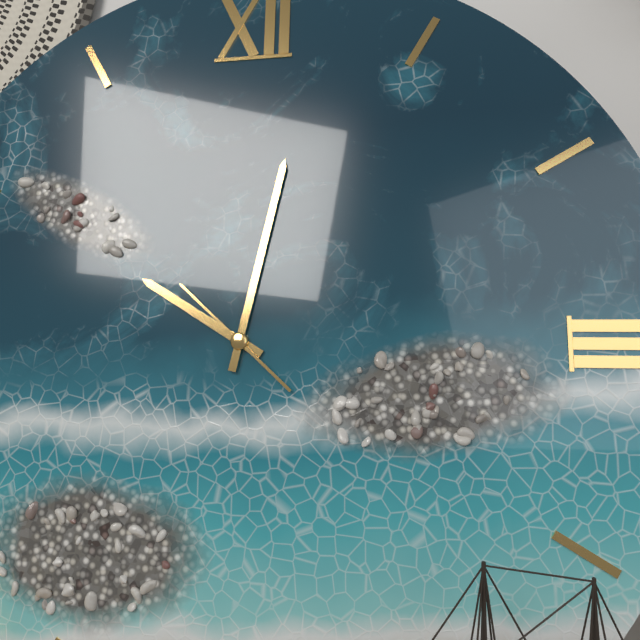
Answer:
{"hour": 10, "minute": 2, "second": 52}
